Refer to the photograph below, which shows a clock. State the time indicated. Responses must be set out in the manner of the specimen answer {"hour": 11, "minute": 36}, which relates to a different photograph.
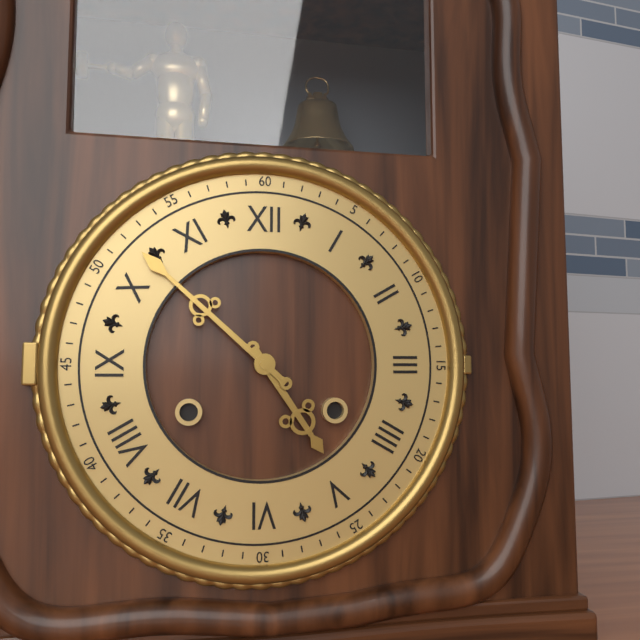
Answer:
{"hour": 4, "minute": 52}
